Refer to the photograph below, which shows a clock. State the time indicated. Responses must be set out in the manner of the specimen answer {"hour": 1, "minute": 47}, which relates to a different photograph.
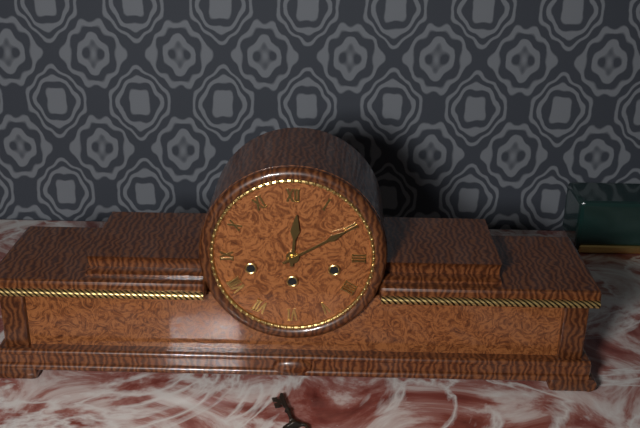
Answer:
{"hour": 12, "minute": 10}
